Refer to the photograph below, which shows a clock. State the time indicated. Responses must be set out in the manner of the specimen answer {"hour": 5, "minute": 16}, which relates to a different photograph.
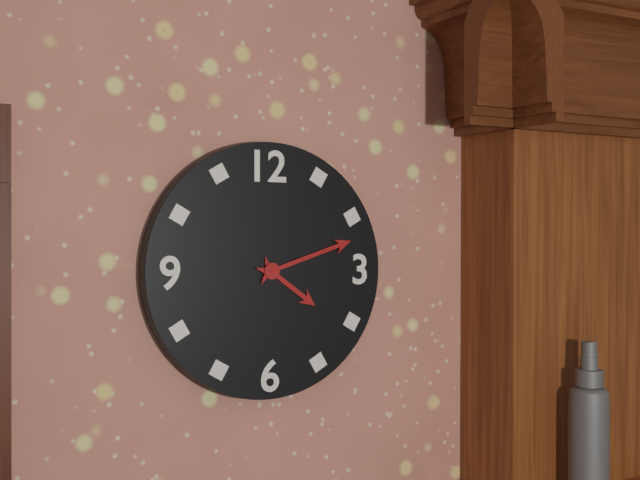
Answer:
{"hour": 4, "minute": 12}
